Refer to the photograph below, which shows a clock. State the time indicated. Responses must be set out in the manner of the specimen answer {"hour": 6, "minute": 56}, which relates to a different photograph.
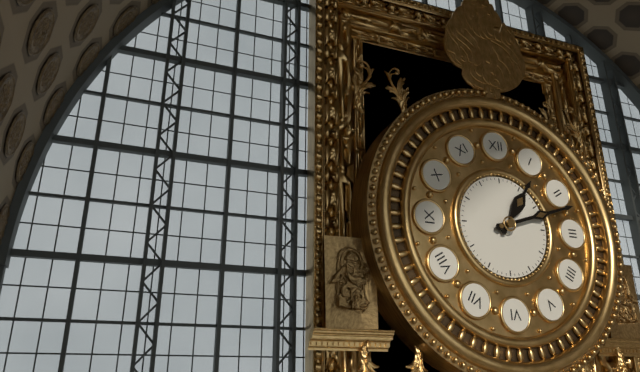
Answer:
{"hour": 1, "minute": 12}
